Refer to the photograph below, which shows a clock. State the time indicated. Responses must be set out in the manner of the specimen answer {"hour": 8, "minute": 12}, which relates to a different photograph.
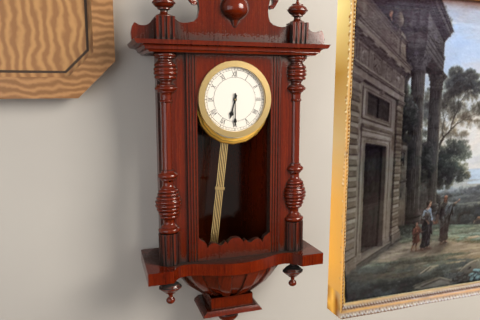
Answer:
{"hour": 6, "minute": 30}
